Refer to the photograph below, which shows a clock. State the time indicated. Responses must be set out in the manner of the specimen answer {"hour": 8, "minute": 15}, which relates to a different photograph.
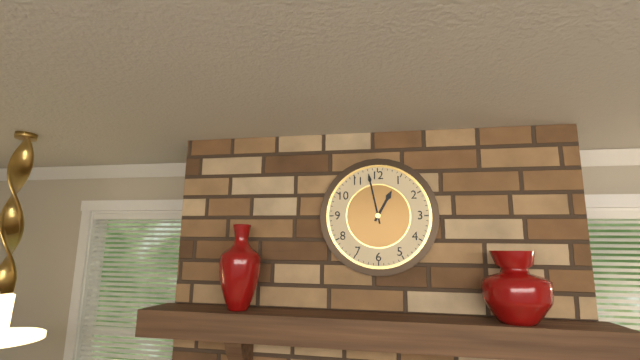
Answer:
{"hour": 12, "minute": 58}
